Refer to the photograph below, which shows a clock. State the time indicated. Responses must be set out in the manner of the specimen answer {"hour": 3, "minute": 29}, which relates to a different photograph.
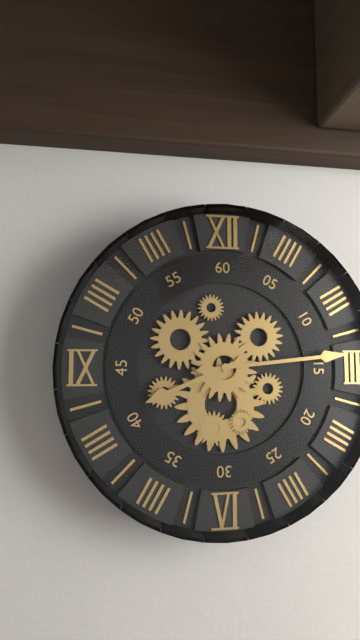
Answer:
{"hour": 8, "minute": 14}
